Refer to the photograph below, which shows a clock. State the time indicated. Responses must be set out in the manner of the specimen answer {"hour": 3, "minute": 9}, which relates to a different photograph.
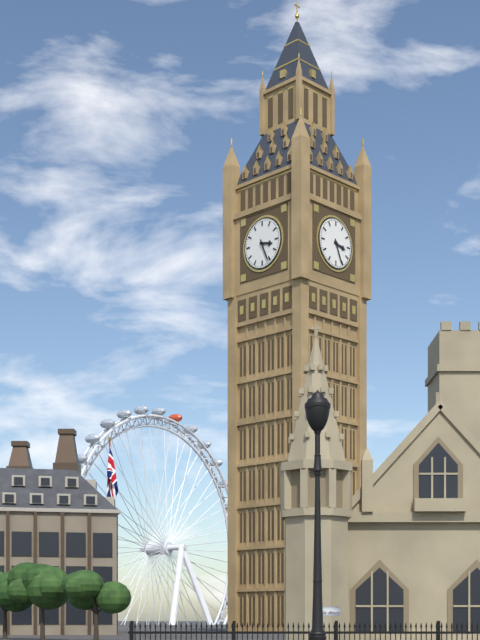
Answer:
{"hour": 3, "minute": 26}
